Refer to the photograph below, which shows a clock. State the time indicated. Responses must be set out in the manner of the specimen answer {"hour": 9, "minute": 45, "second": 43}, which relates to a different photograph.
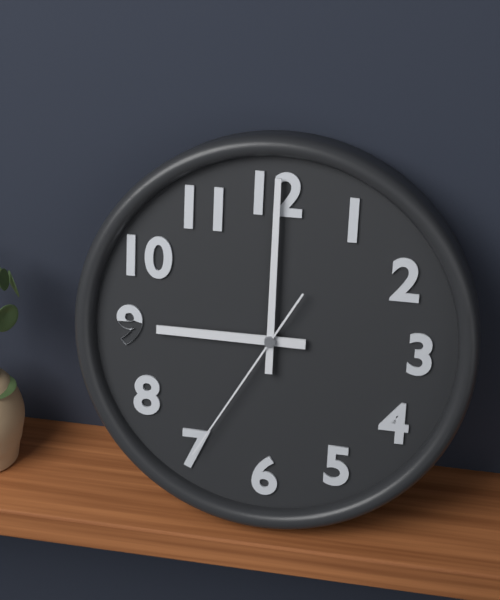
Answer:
{"hour": 9, "minute": 0, "second": 35}
